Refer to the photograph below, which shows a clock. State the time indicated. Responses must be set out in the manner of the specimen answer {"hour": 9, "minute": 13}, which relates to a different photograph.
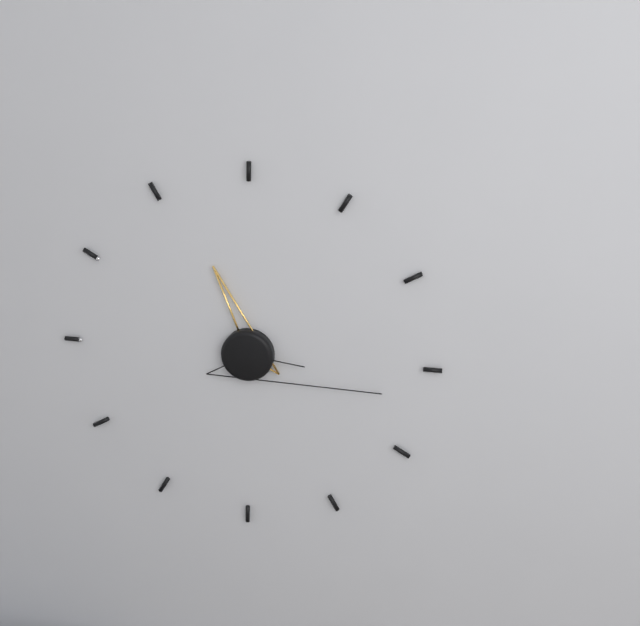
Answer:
{"hour": 11, "minute": 17}
